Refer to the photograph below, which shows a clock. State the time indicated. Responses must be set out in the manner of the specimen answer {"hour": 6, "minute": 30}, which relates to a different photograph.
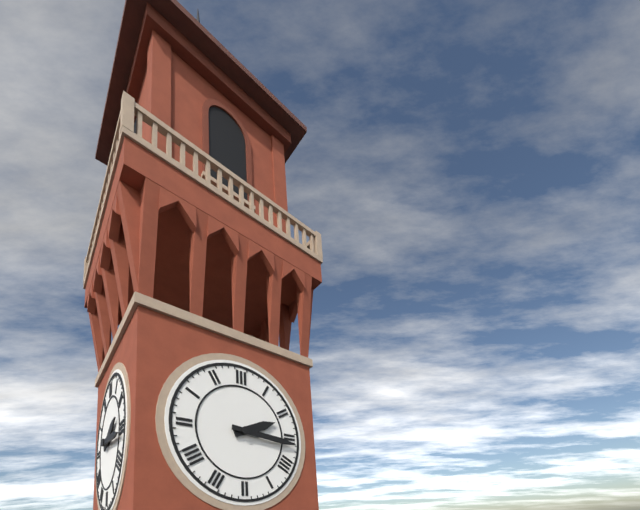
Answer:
{"hour": 2, "minute": 16}
